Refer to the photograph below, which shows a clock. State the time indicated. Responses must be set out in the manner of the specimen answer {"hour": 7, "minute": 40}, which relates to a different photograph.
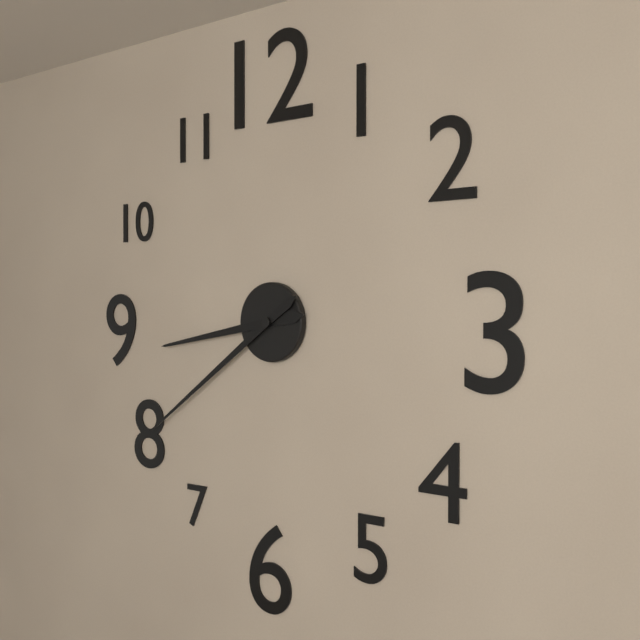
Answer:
{"hour": 8, "minute": 39}
